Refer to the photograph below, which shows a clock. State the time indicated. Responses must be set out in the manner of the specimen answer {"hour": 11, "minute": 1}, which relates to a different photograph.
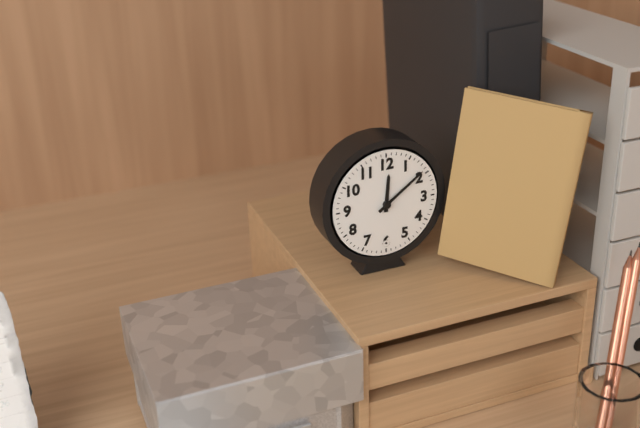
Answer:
{"hour": 12, "minute": 9}
